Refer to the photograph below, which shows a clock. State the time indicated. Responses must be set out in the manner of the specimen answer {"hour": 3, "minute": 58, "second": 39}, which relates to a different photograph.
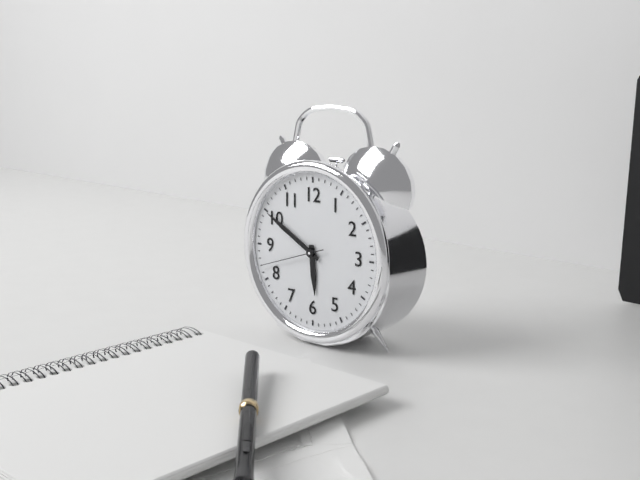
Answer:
{"hour": 5, "minute": 50, "second": 42}
